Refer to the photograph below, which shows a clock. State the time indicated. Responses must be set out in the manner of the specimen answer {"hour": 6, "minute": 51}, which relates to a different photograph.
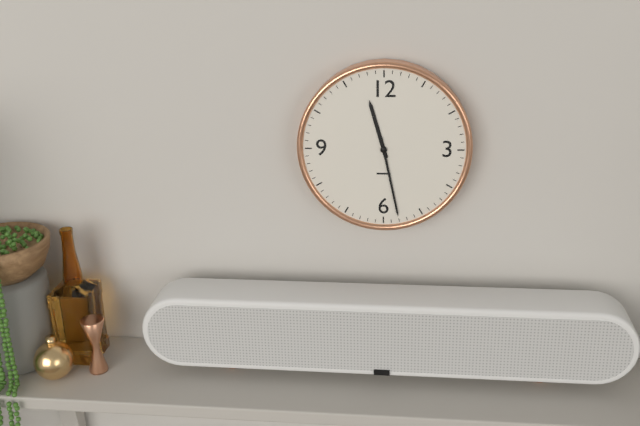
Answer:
{"hour": 11, "minute": 28}
